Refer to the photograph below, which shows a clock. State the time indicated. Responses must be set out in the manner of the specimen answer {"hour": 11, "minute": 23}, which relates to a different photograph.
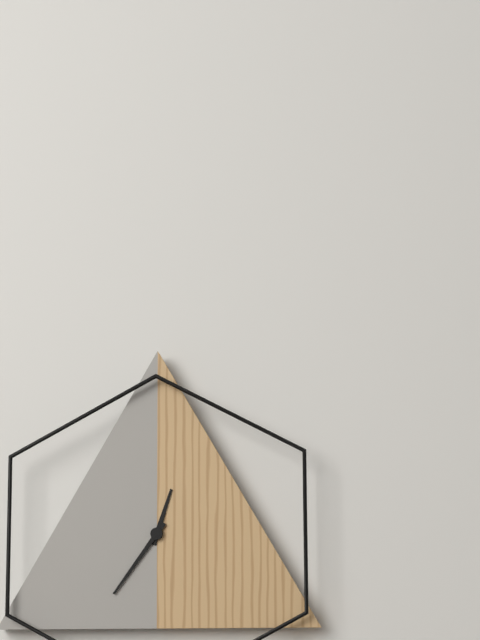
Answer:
{"hour": 12, "minute": 36}
